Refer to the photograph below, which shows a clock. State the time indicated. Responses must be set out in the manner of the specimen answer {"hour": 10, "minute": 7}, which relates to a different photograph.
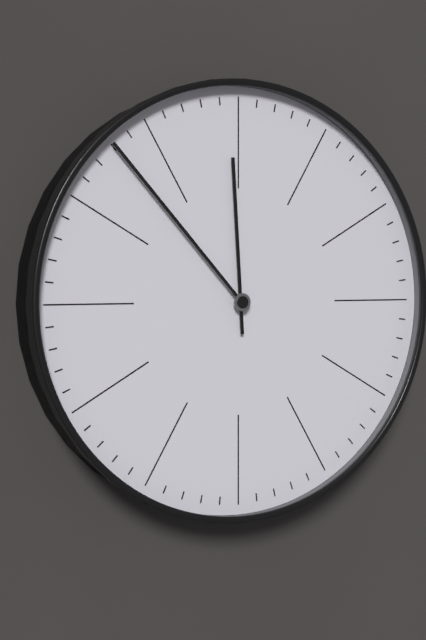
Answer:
{"hour": 11, "minute": 53}
